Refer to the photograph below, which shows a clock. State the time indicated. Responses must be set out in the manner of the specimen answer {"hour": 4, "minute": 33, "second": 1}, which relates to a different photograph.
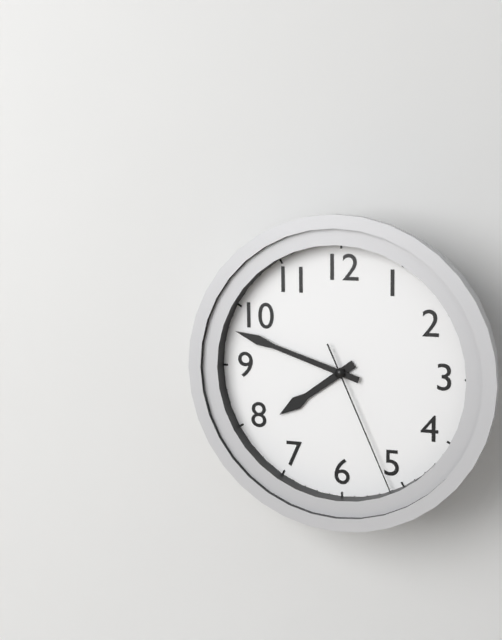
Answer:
{"hour": 7, "minute": 48, "second": 26}
